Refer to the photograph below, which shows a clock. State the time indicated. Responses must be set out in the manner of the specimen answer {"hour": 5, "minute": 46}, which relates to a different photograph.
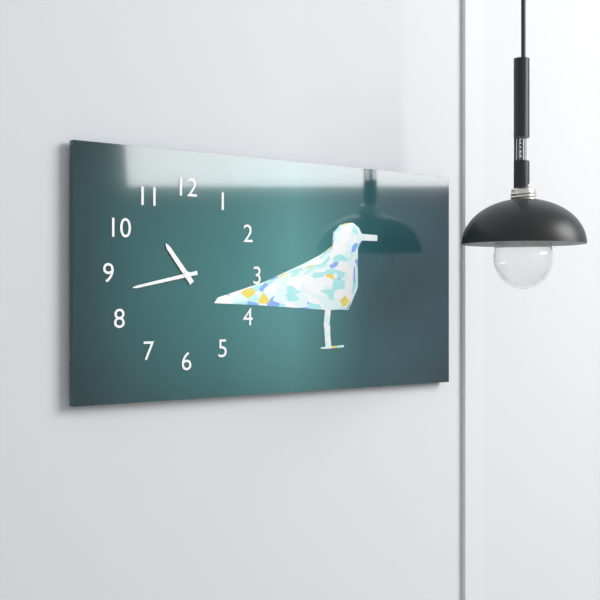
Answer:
{"hour": 10, "minute": 43}
